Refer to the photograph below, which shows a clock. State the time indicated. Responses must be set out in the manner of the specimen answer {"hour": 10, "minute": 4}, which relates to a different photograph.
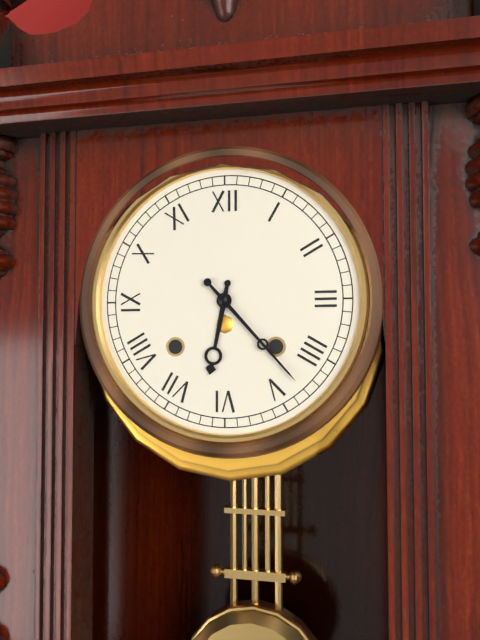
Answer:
{"hour": 6, "minute": 23}
